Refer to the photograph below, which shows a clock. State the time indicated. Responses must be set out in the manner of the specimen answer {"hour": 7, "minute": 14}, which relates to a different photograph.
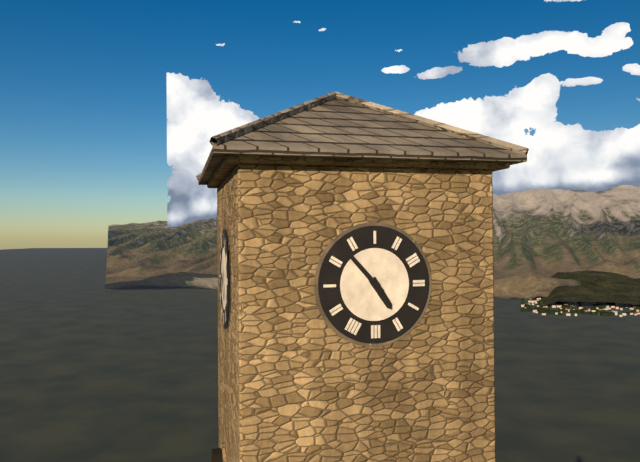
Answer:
{"hour": 4, "minute": 53}
